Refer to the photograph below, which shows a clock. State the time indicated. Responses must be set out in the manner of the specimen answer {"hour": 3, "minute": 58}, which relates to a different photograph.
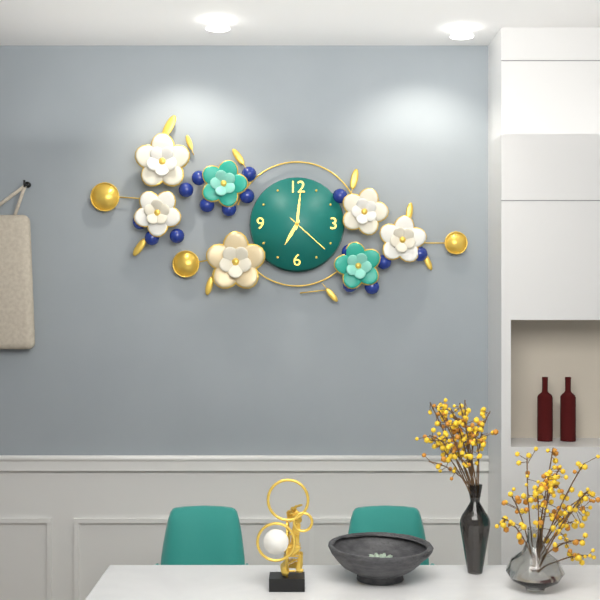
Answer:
{"hour": 7, "minute": 1}
